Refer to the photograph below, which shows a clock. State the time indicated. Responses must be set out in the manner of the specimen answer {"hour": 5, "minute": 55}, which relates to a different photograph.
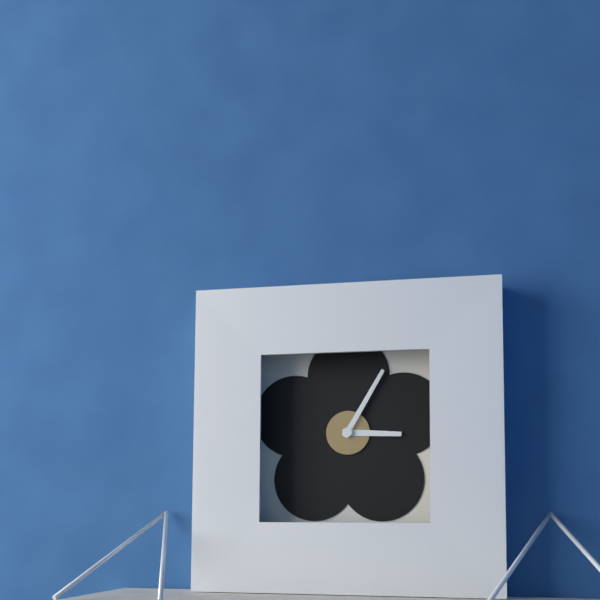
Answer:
{"hour": 3, "minute": 5}
